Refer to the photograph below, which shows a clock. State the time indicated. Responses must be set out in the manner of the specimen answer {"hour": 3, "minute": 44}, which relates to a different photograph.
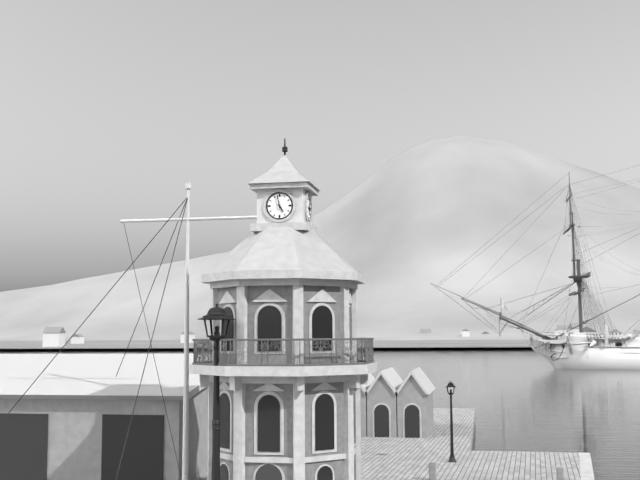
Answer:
{"hour": 4, "minute": 58}
